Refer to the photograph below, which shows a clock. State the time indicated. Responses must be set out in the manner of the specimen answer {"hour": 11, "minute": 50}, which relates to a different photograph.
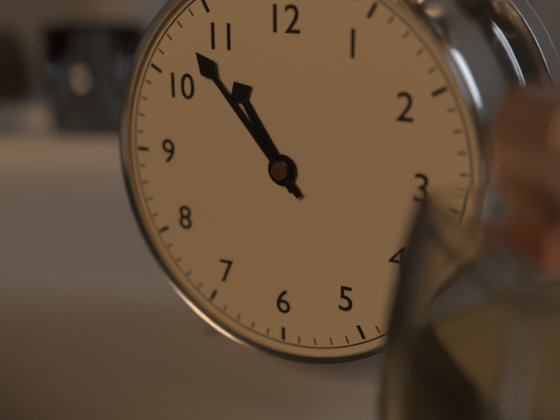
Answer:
{"hour": 10, "minute": 53}
